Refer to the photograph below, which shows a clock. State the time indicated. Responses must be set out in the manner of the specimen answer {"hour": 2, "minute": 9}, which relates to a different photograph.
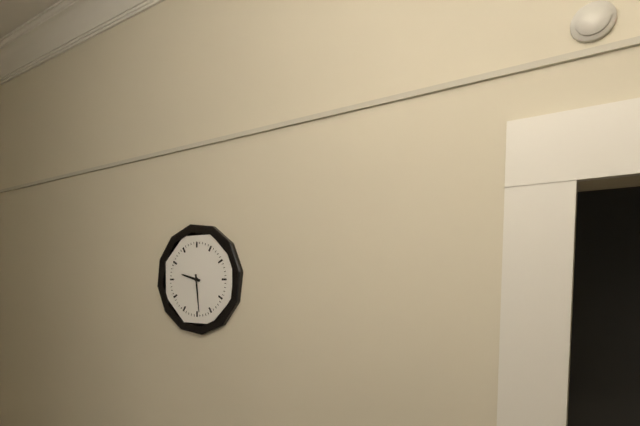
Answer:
{"hour": 9, "minute": 29}
